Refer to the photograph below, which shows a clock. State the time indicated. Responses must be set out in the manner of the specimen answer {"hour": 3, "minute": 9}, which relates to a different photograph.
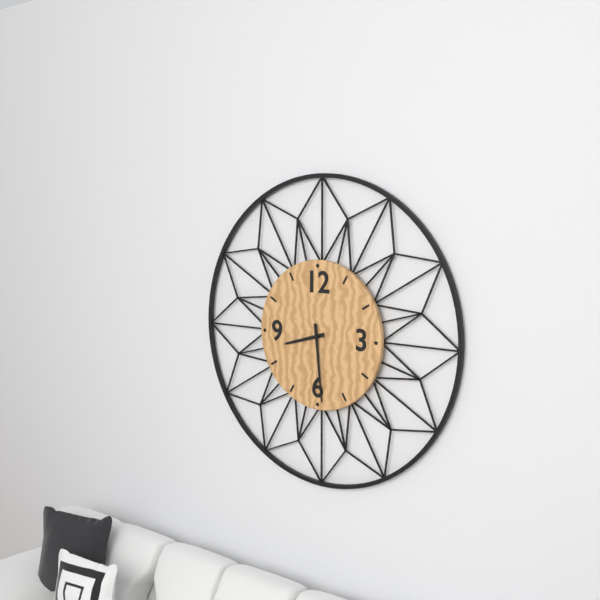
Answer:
{"hour": 8, "minute": 29}
